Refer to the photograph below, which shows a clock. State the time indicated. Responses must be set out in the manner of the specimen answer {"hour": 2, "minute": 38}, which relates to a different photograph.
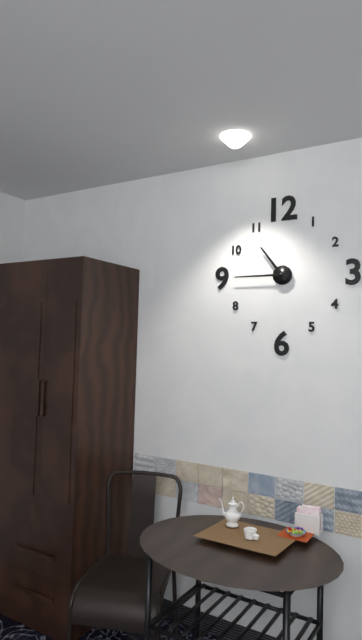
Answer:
{"hour": 10, "minute": 45}
